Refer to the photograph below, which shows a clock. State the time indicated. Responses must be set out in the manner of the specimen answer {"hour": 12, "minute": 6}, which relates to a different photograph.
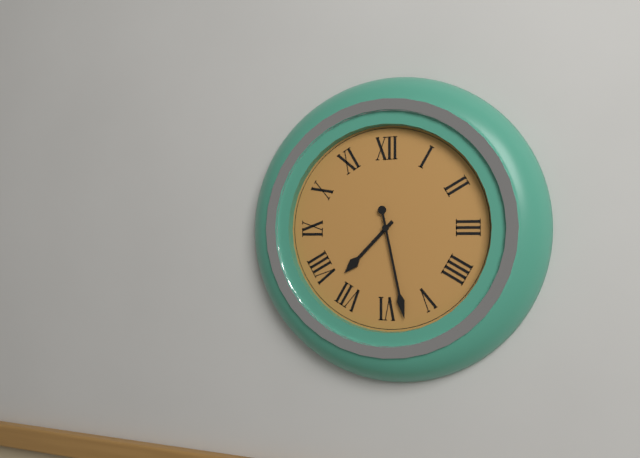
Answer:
{"hour": 7, "minute": 28}
